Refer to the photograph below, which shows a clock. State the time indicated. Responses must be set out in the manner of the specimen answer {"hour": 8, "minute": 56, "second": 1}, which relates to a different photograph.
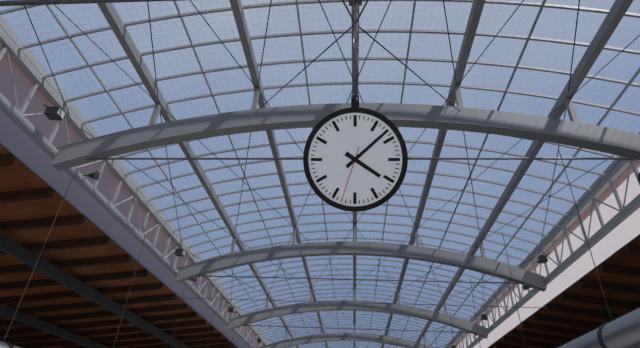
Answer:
{"hour": 4, "minute": 8, "second": 33}
